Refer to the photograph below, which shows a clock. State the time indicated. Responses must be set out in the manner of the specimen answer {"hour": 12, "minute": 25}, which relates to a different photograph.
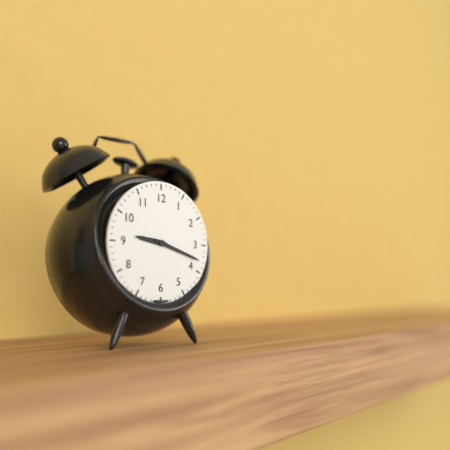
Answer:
{"hour": 9, "minute": 18}
